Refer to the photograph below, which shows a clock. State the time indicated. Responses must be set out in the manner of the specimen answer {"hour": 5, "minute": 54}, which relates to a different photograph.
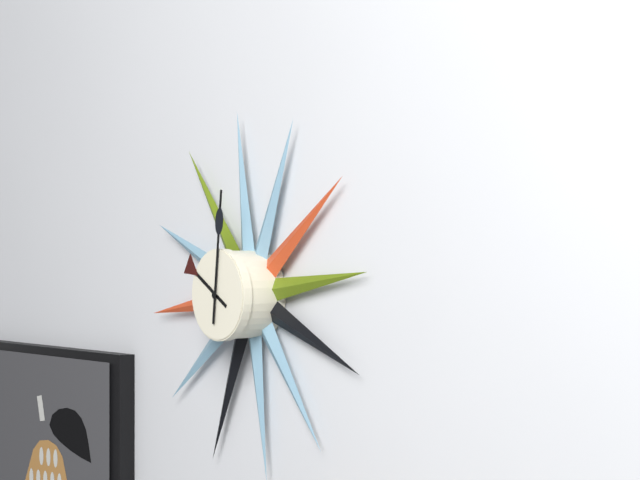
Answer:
{"hour": 10, "minute": 1}
